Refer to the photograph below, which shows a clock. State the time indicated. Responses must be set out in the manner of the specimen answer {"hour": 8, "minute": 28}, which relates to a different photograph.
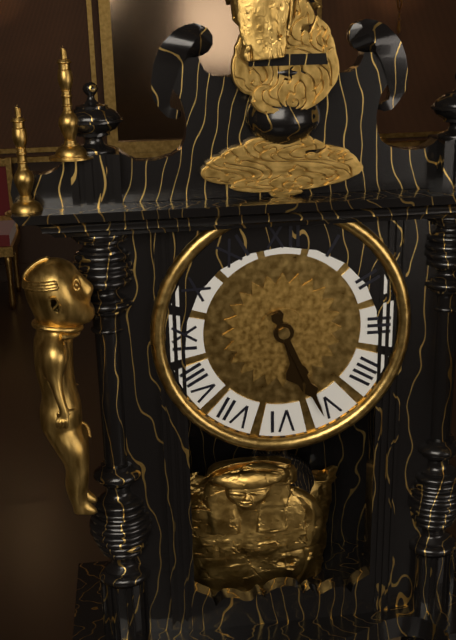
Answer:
{"hour": 5, "minute": 26}
